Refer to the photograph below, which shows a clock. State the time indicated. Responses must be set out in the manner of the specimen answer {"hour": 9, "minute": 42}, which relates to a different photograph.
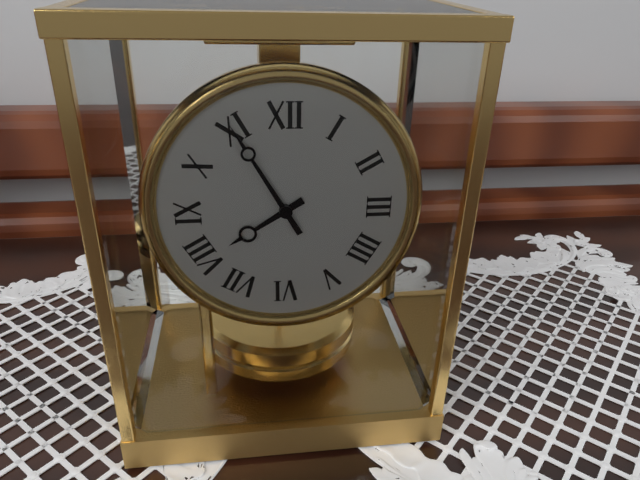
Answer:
{"hour": 7, "minute": 55}
